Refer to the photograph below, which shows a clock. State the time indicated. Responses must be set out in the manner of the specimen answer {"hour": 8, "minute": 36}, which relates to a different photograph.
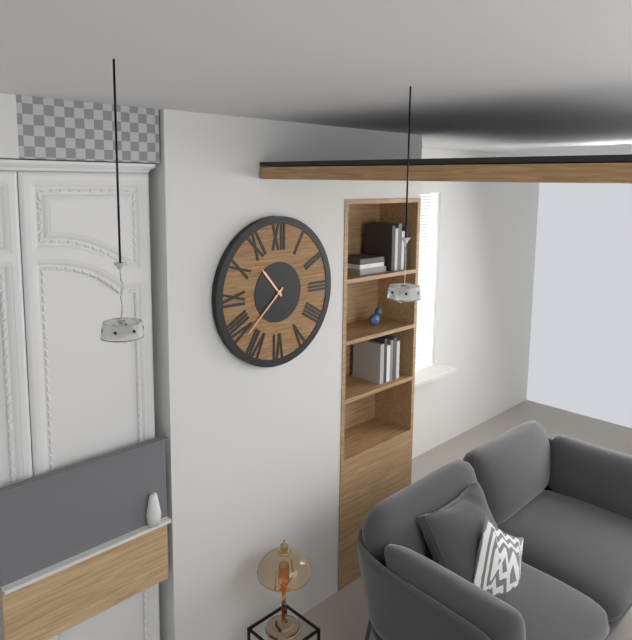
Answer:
{"hour": 10, "minute": 38}
